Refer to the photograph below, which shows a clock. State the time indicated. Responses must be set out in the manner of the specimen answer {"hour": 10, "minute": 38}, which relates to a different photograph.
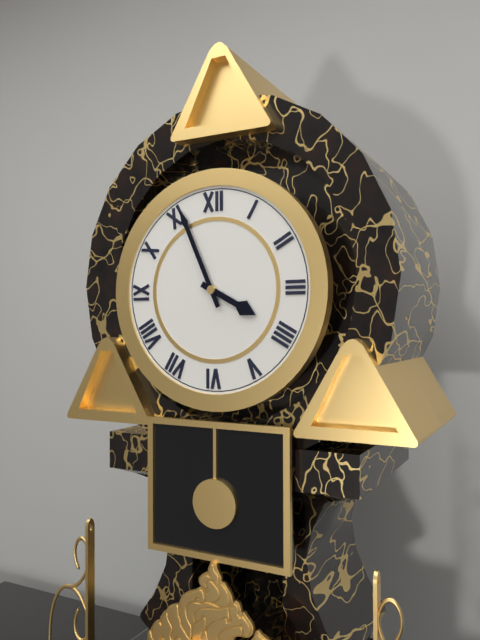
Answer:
{"hour": 3, "minute": 56}
